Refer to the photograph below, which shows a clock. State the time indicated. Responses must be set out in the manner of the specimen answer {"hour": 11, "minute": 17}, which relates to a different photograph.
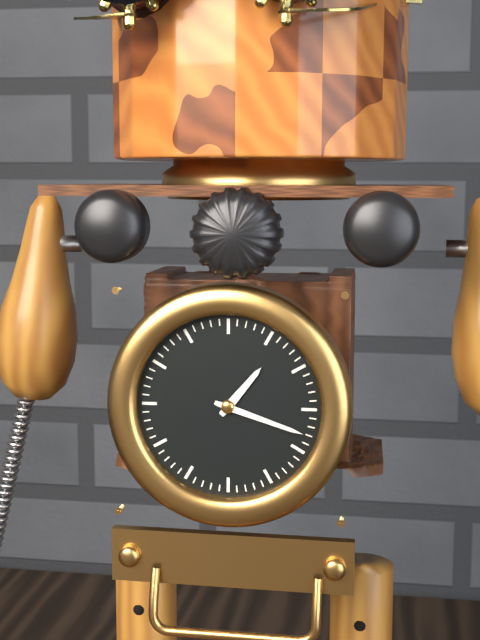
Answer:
{"hour": 1, "minute": 18}
